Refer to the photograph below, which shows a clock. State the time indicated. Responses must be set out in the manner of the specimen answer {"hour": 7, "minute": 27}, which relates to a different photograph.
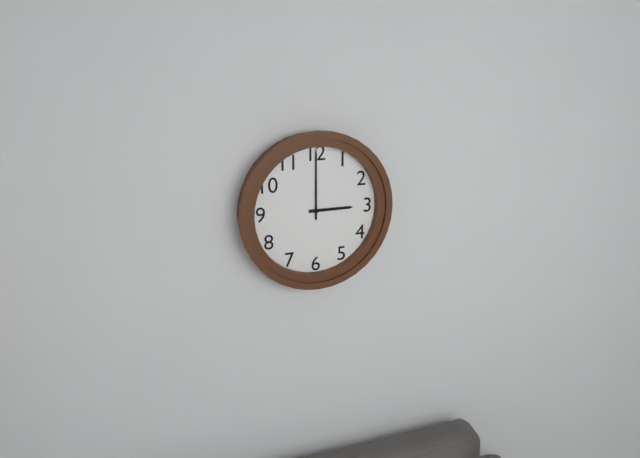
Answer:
{"hour": 3, "minute": 0}
